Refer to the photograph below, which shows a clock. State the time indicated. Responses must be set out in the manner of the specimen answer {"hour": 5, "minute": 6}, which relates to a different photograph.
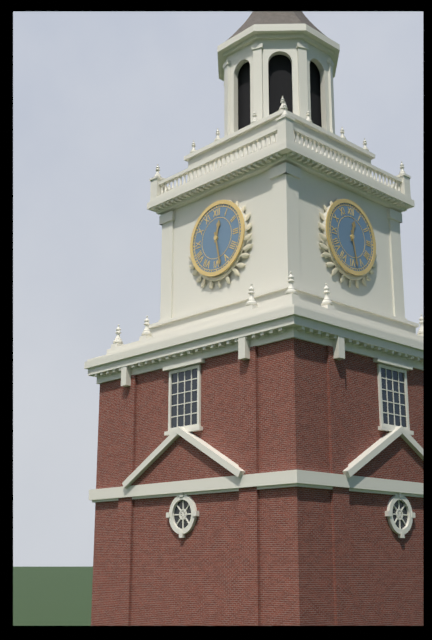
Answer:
{"hour": 12, "minute": 28}
